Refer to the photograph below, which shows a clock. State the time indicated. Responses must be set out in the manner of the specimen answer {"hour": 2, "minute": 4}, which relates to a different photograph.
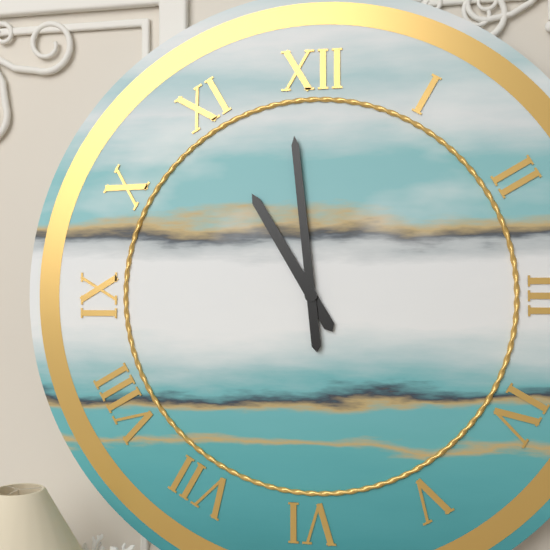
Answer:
{"hour": 10, "minute": 59}
